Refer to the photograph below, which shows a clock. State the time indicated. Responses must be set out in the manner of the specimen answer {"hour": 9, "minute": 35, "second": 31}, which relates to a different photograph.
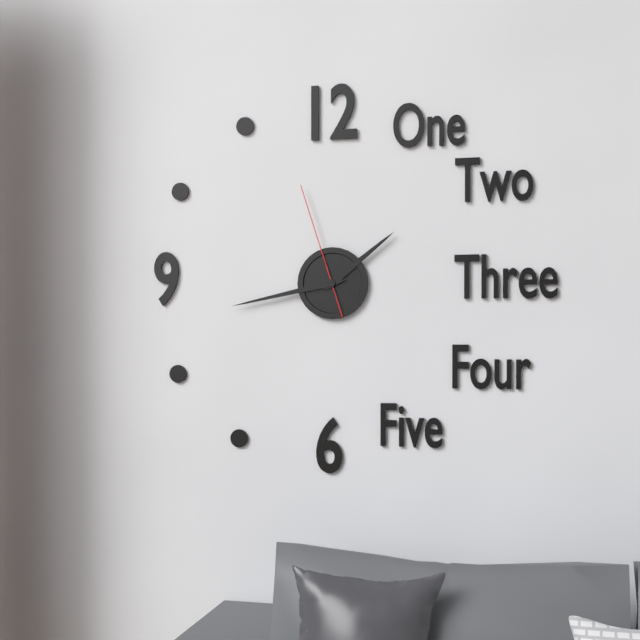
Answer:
{"hour": 1, "minute": 43, "second": 57}
